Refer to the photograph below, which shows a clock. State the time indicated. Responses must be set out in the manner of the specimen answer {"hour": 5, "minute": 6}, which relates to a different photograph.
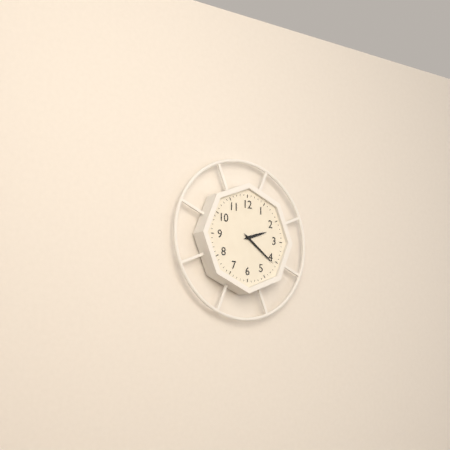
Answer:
{"hour": 2, "minute": 21}
